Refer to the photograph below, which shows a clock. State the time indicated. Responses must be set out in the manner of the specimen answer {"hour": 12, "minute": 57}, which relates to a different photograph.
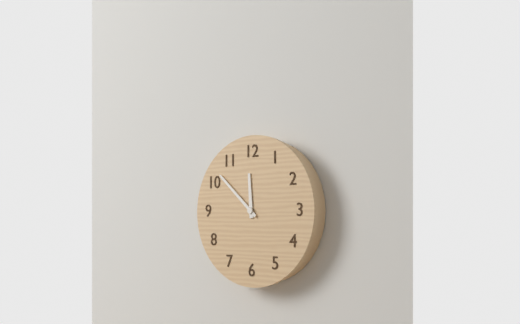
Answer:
{"hour": 11, "minute": 52}
